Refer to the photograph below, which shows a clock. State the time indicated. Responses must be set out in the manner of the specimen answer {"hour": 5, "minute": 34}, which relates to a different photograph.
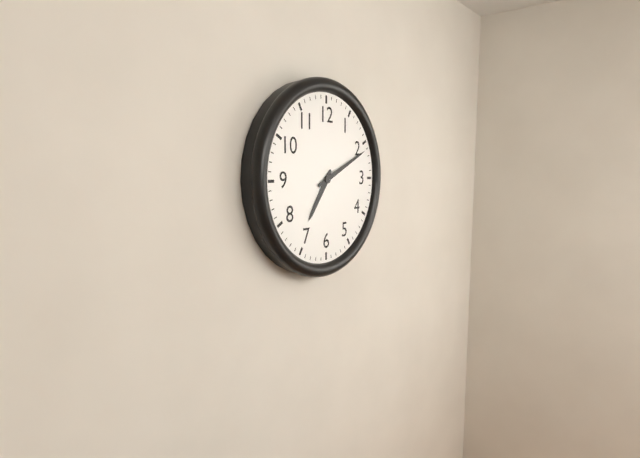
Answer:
{"hour": 7, "minute": 11}
